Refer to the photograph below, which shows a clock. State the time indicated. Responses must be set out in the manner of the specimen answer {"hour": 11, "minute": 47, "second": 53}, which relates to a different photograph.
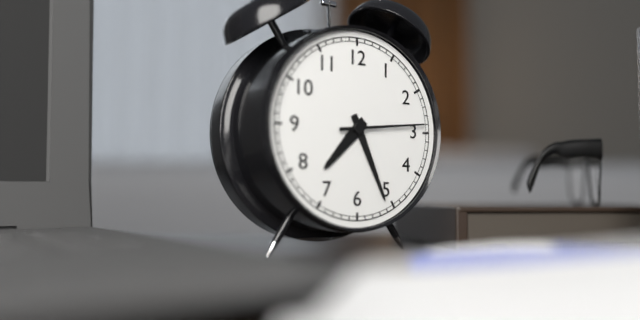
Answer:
{"hour": 7, "minute": 26, "second": 14}
